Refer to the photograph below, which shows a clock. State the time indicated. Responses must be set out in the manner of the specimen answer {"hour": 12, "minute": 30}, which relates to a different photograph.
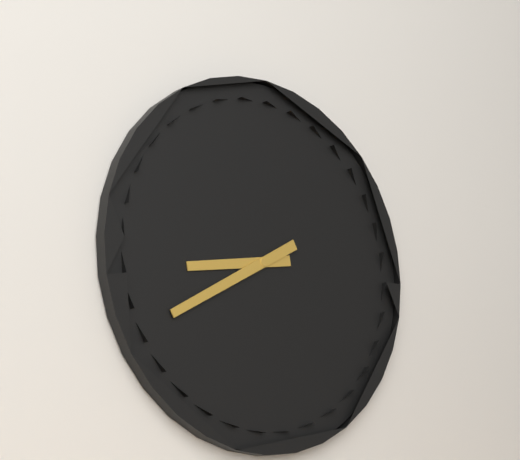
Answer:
{"hour": 8, "minute": 40}
